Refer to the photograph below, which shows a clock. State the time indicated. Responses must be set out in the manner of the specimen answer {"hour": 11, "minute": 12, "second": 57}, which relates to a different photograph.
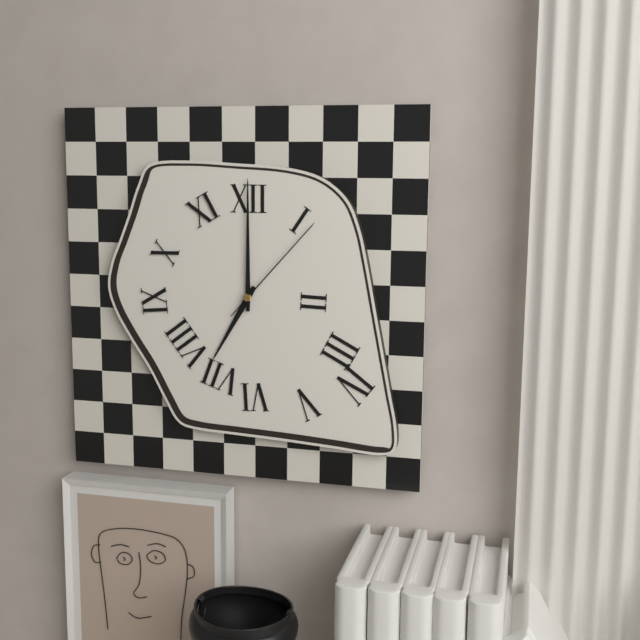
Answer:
{"hour": 7, "minute": 0, "second": 7}
